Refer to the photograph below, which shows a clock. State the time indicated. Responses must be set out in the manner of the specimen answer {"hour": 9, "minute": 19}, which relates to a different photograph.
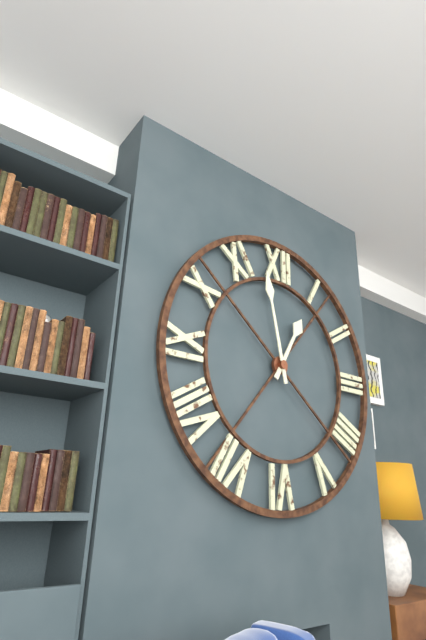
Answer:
{"hour": 12, "minute": 58}
